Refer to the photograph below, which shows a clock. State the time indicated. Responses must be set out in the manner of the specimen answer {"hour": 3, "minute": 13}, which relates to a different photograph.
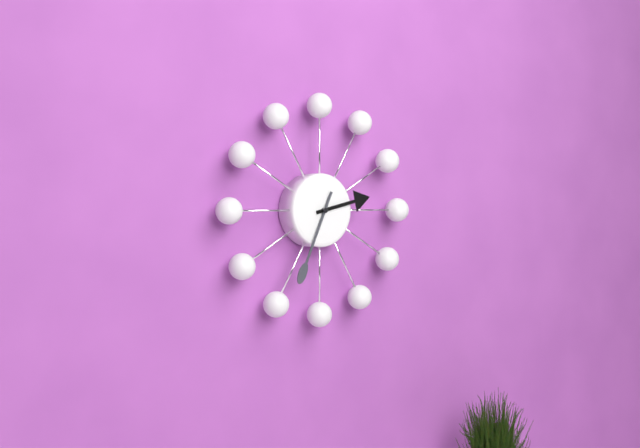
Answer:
{"hour": 2, "minute": 34}
